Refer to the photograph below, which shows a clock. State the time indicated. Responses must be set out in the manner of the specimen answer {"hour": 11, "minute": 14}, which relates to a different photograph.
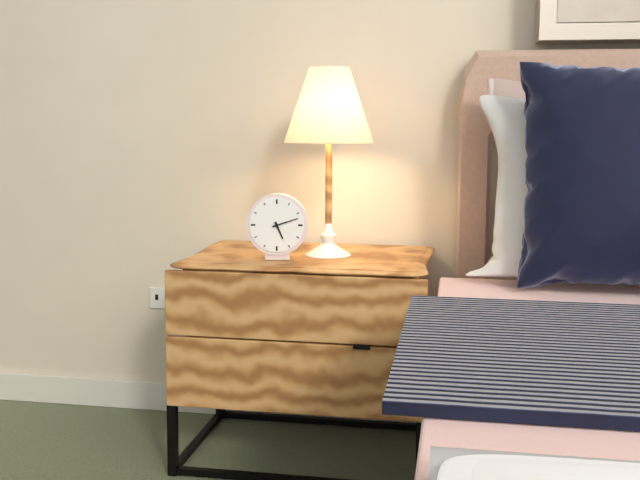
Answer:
{"hour": 5, "minute": 12}
